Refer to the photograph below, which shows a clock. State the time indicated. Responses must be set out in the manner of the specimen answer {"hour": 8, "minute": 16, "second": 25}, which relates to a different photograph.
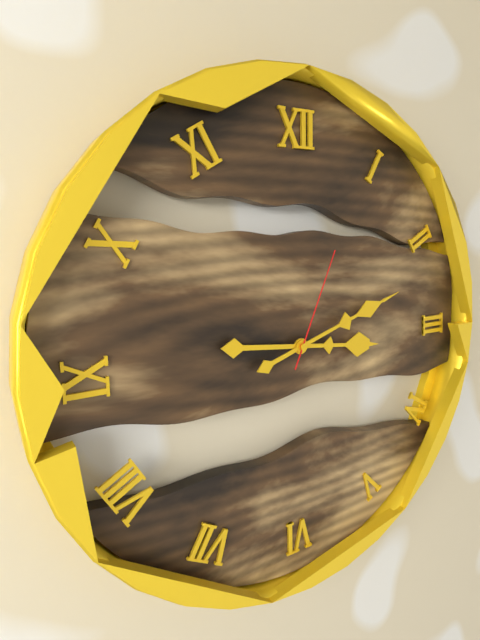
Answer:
{"hour": 3, "minute": 12, "second": 4}
